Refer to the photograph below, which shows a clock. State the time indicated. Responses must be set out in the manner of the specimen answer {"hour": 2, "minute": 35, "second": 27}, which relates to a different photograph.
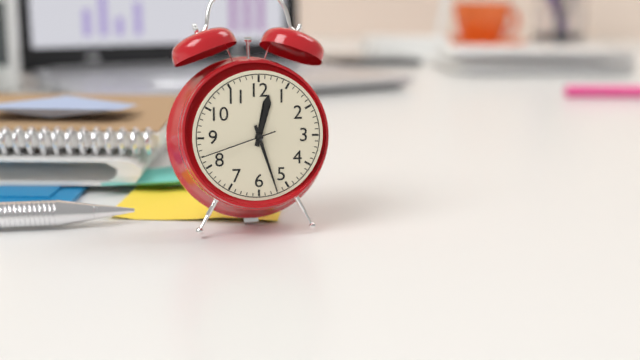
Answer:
{"hour": 12, "minute": 27, "second": 42}
